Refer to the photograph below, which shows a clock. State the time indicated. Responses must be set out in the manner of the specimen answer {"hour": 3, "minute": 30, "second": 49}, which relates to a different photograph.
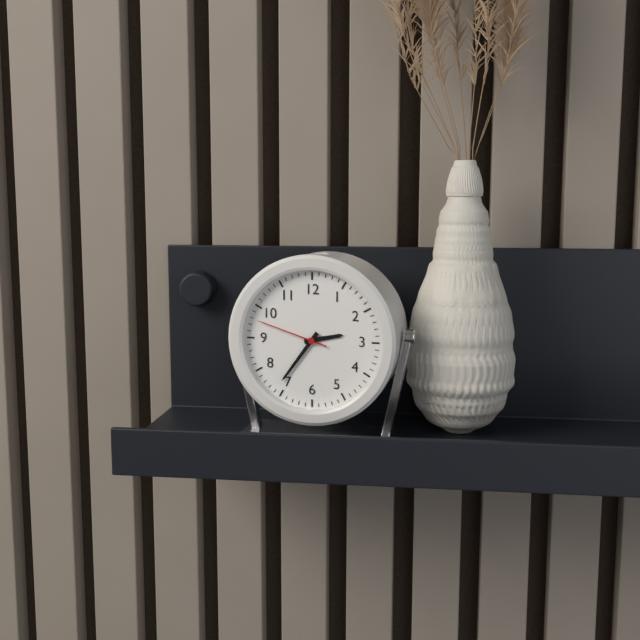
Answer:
{"hour": 2, "minute": 36, "second": 48}
